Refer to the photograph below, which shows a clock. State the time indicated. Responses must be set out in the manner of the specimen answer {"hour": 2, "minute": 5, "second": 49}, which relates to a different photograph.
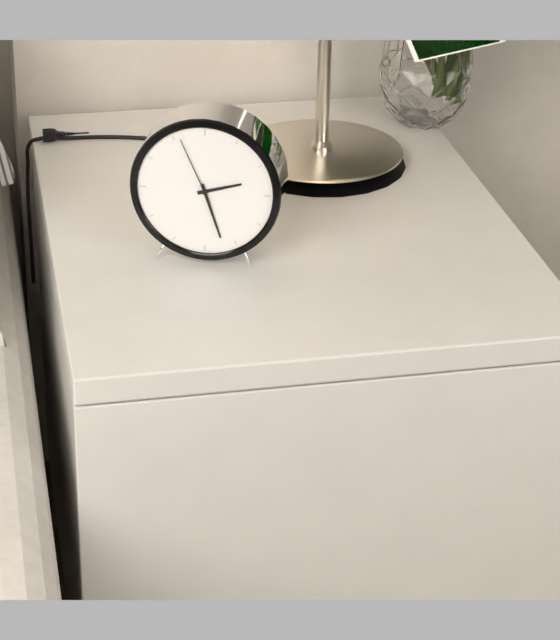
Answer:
{"hour": 2, "minute": 27, "second": 56}
